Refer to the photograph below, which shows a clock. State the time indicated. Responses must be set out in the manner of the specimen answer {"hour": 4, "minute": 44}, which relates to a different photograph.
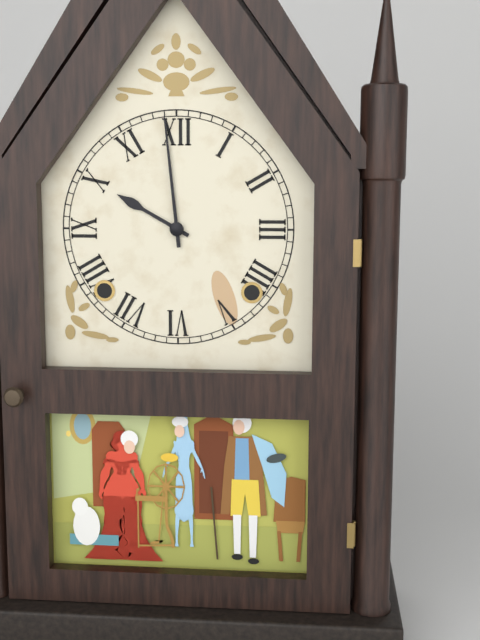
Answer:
{"hour": 9, "minute": 59}
